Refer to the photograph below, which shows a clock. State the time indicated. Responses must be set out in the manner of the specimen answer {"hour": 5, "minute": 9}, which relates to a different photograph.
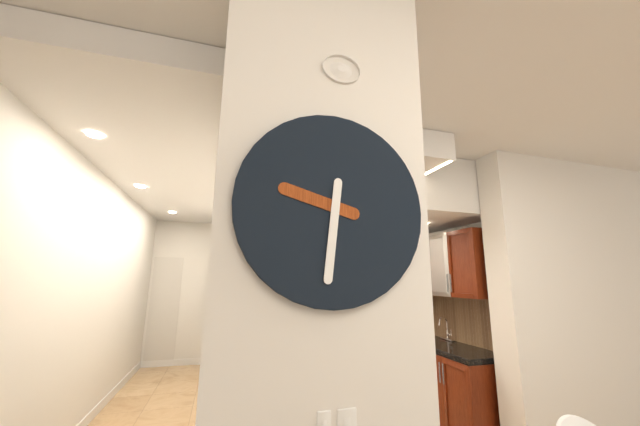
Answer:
{"hour": 9, "minute": 31}
